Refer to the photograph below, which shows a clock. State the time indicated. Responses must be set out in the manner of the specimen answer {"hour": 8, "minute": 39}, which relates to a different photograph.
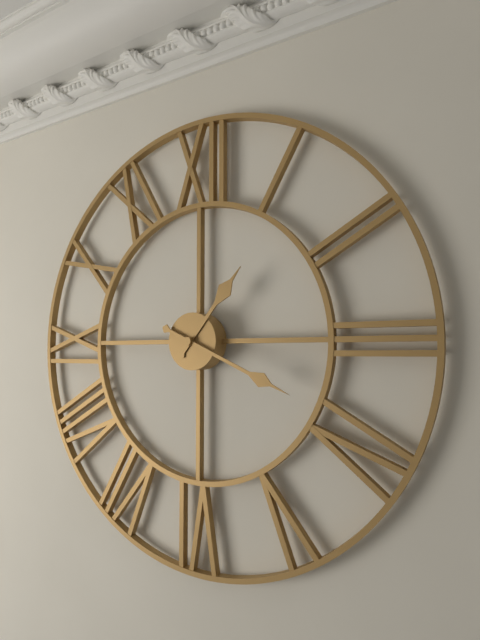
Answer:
{"hour": 1, "minute": 19}
